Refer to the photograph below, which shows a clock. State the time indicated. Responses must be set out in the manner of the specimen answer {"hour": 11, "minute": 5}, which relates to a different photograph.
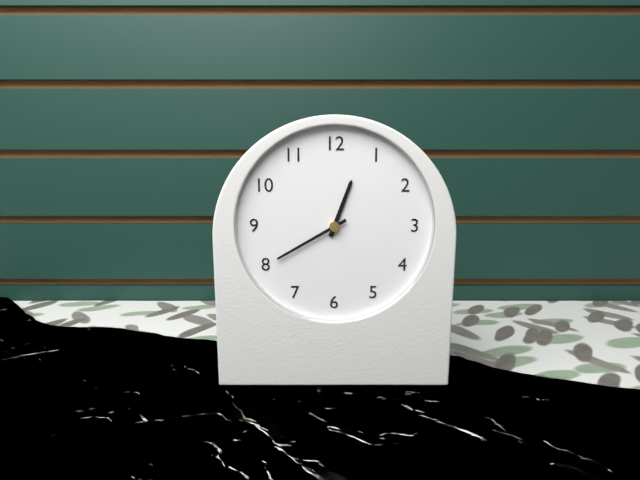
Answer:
{"hour": 12, "minute": 40}
